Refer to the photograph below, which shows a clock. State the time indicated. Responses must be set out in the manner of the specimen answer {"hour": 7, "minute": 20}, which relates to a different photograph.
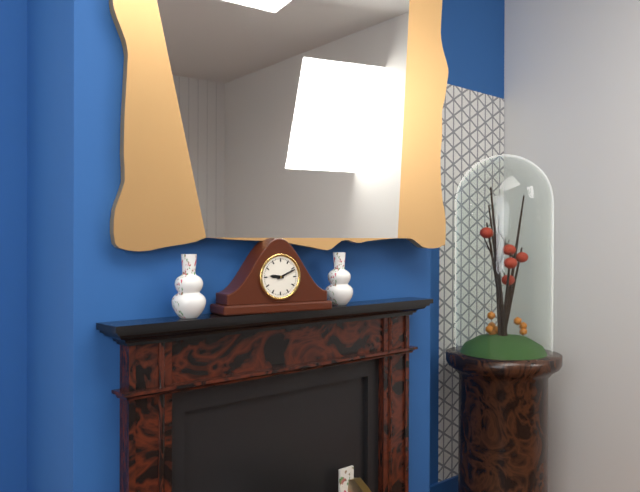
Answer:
{"hour": 9, "minute": 11}
